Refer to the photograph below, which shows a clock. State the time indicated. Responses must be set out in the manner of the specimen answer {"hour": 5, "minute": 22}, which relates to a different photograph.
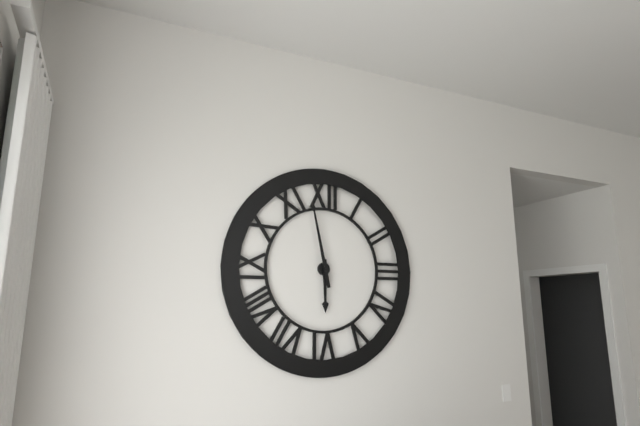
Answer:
{"hour": 5, "minute": 58}
